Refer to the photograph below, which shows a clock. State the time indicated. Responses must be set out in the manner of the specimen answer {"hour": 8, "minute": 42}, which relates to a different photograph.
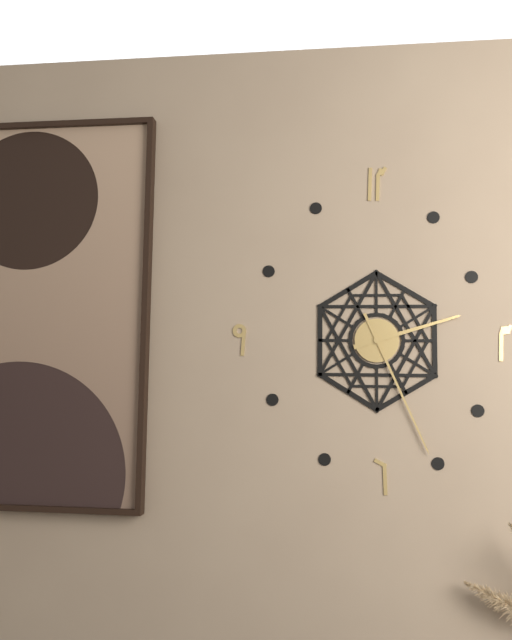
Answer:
{"hour": 2, "minute": 26}
